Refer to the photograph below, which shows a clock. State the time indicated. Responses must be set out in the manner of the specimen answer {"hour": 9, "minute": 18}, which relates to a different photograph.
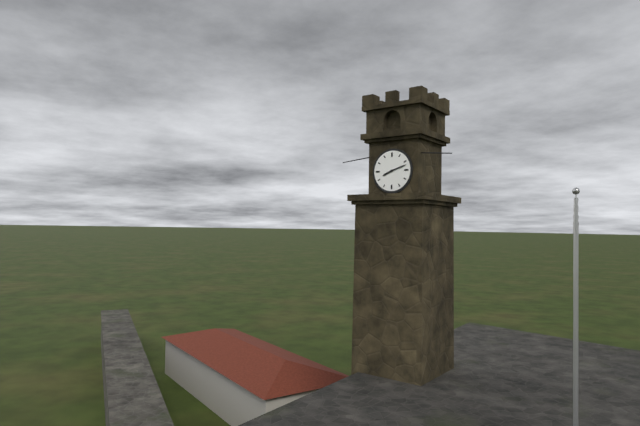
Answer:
{"hour": 8, "minute": 12}
